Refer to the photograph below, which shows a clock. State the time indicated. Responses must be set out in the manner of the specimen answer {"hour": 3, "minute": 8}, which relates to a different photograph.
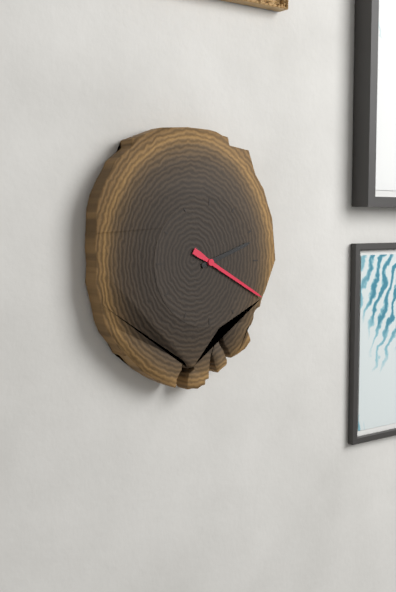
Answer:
{"hour": 2, "minute": 20}
